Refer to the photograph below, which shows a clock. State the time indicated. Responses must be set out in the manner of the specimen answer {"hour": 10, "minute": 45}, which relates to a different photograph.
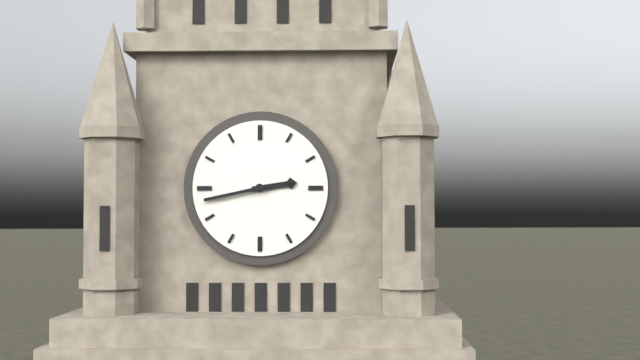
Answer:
{"hour": 2, "minute": 43}
